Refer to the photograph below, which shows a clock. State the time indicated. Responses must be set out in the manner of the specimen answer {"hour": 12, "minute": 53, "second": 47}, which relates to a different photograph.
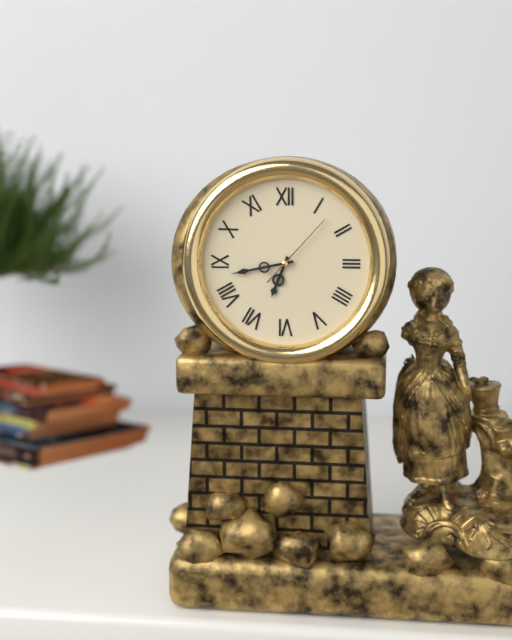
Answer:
{"hour": 6, "minute": 43, "second": 7}
